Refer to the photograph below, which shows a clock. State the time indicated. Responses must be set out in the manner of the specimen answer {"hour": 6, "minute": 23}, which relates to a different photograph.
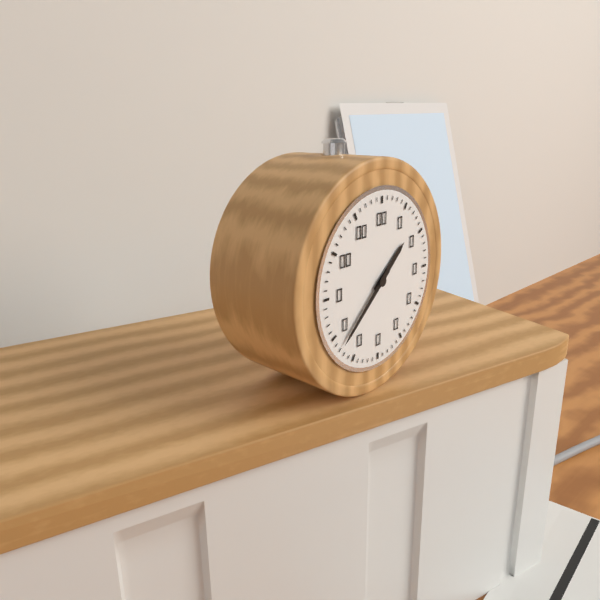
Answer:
{"hour": 1, "minute": 38}
